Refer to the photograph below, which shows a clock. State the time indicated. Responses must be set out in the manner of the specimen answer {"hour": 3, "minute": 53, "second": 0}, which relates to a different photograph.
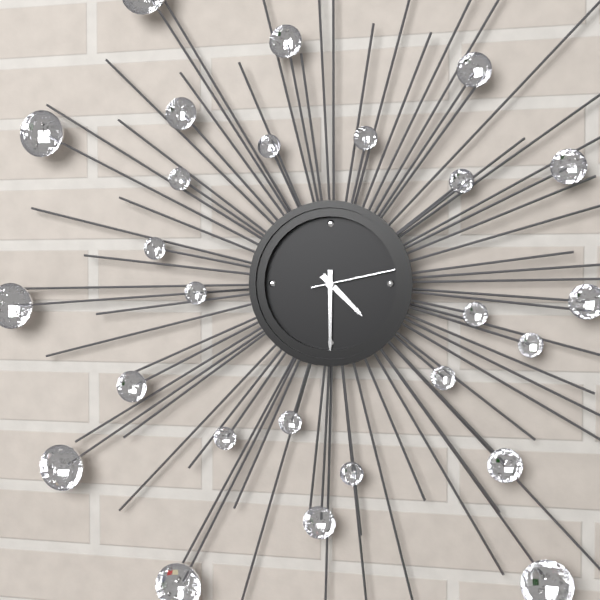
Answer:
{"hour": 4, "minute": 30, "second": 13}
